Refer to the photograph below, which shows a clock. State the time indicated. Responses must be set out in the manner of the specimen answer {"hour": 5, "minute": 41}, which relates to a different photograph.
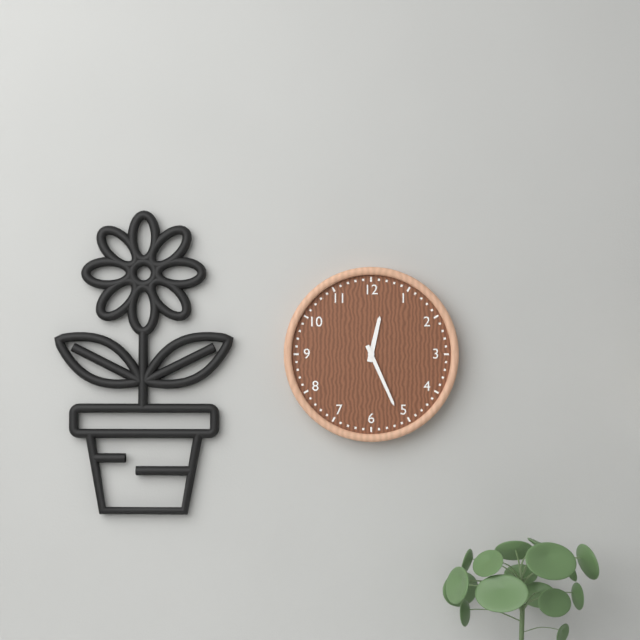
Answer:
{"hour": 12, "minute": 26}
